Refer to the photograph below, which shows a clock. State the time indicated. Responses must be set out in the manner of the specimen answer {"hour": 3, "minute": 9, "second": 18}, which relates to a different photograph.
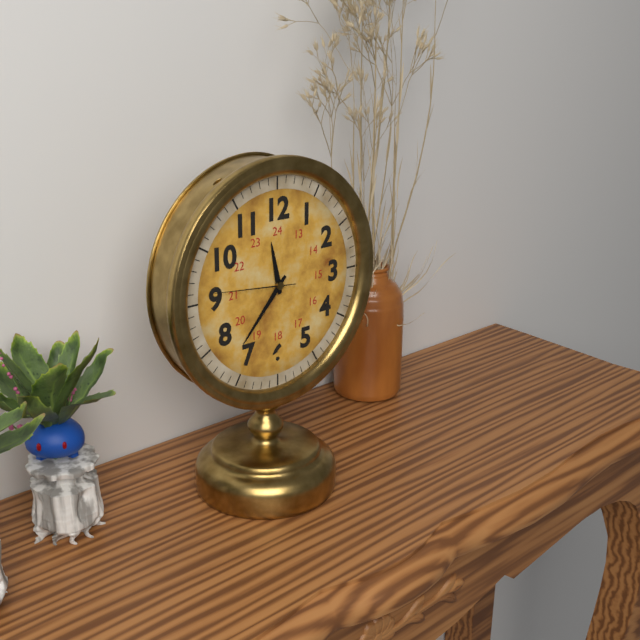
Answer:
{"hour": 11, "minute": 37, "second": 46}
